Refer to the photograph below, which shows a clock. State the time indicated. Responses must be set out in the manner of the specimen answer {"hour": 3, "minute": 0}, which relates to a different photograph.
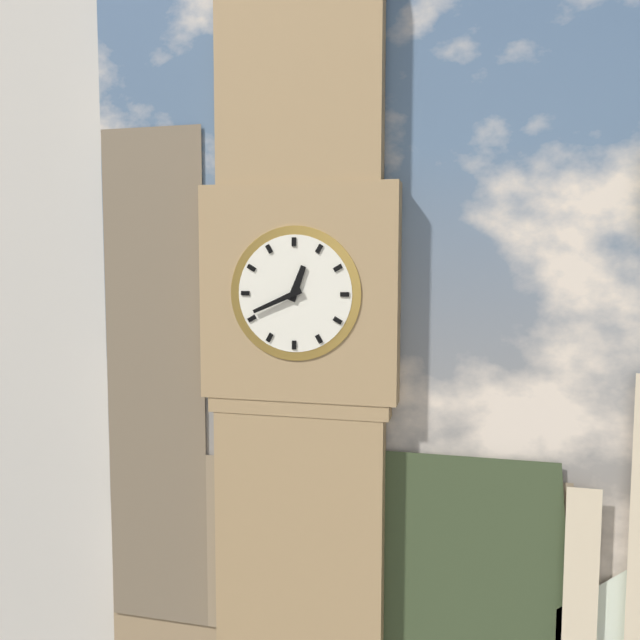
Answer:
{"hour": 12, "minute": 41}
